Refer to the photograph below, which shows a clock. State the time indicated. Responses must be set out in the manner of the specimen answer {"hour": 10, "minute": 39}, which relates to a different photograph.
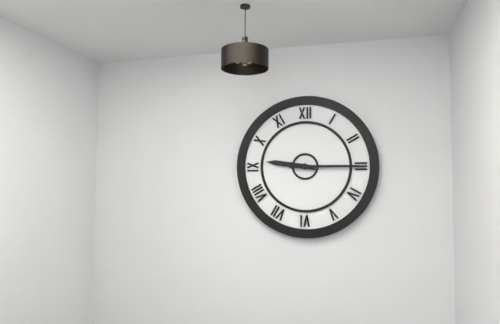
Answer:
{"hour": 9, "minute": 15}
